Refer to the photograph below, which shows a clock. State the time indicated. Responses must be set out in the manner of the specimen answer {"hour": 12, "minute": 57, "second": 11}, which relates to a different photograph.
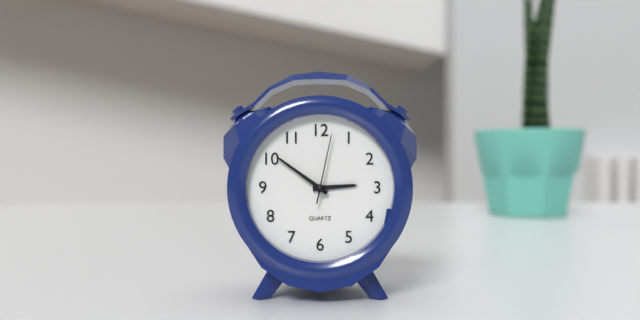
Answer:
{"hour": 2, "minute": 51, "second": 2}
